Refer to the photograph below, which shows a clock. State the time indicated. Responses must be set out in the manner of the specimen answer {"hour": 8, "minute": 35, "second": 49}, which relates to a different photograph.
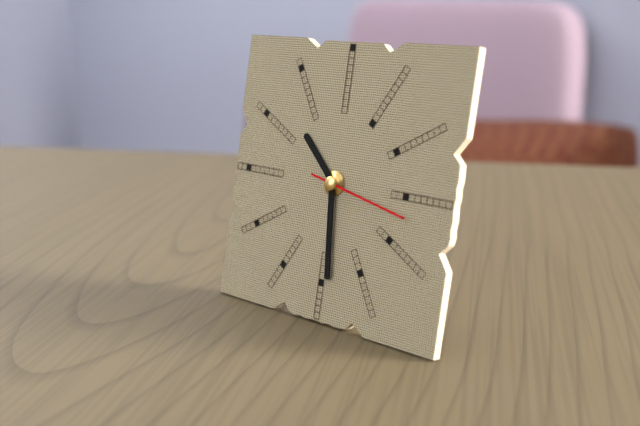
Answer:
{"hour": 10, "minute": 29, "second": 17}
